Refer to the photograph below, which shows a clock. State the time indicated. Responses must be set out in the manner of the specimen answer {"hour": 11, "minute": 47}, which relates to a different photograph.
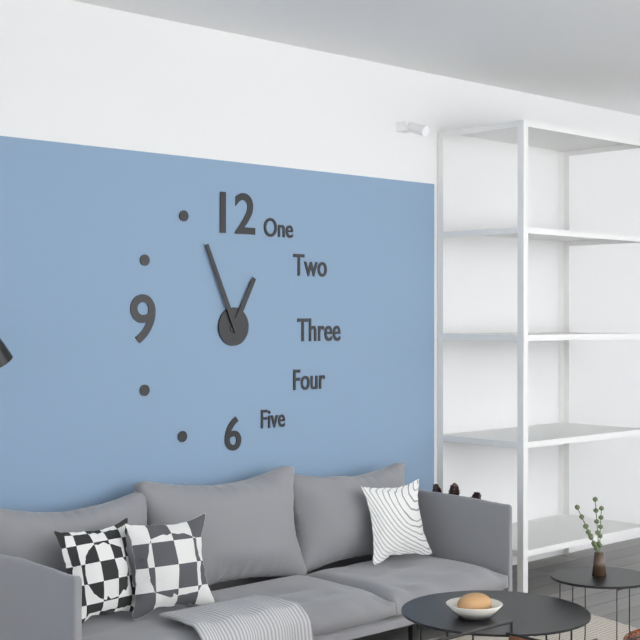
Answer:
{"hour": 12, "minute": 56}
